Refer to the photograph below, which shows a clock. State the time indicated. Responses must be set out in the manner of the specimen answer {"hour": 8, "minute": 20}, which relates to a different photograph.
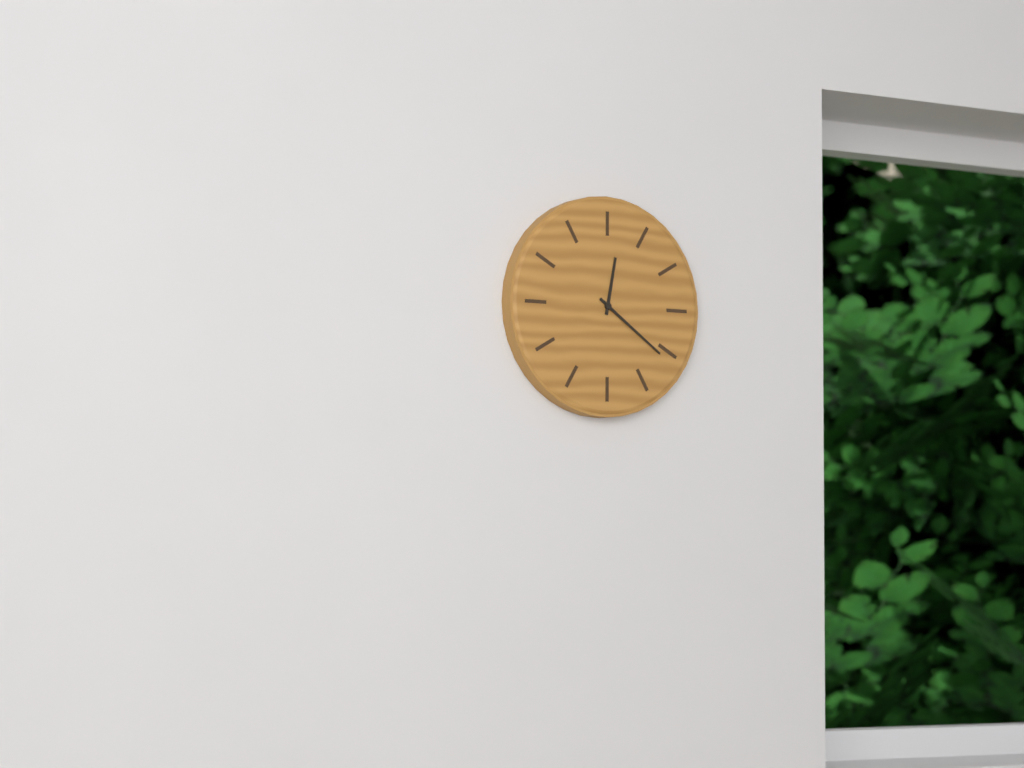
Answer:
{"hour": 12, "minute": 21}
